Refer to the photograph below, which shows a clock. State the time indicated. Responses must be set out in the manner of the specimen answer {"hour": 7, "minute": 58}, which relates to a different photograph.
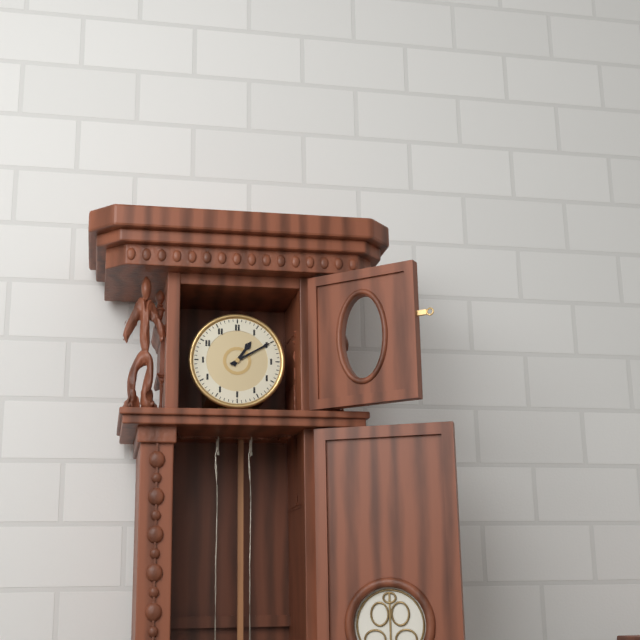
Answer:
{"hour": 1, "minute": 10}
